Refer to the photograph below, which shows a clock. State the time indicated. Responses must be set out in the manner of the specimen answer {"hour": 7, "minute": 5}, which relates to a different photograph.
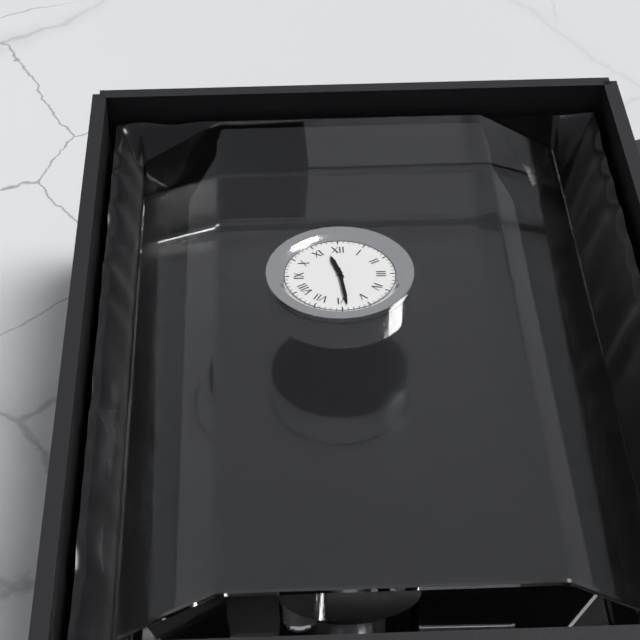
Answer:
{"hour": 11, "minute": 29}
